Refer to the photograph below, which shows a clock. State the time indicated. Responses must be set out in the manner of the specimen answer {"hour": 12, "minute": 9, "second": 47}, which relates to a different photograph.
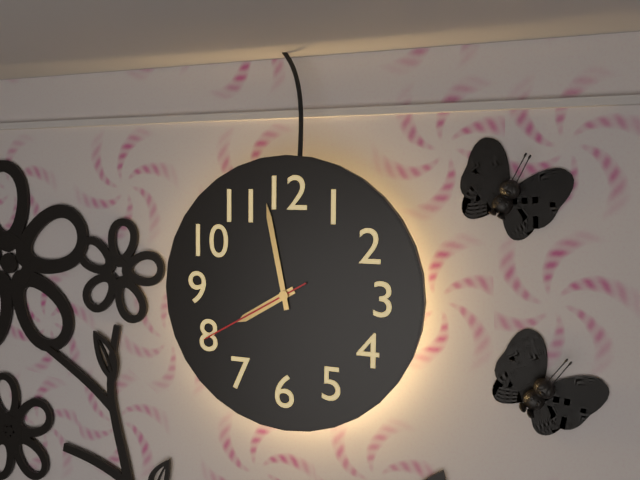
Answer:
{"hour": 7, "minute": 58, "second": 40}
